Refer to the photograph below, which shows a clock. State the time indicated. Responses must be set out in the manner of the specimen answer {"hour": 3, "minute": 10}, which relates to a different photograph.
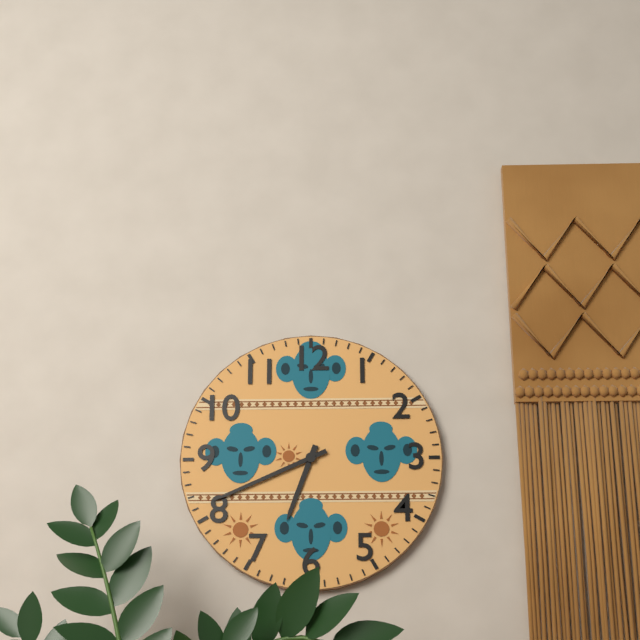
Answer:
{"hour": 6, "minute": 41}
